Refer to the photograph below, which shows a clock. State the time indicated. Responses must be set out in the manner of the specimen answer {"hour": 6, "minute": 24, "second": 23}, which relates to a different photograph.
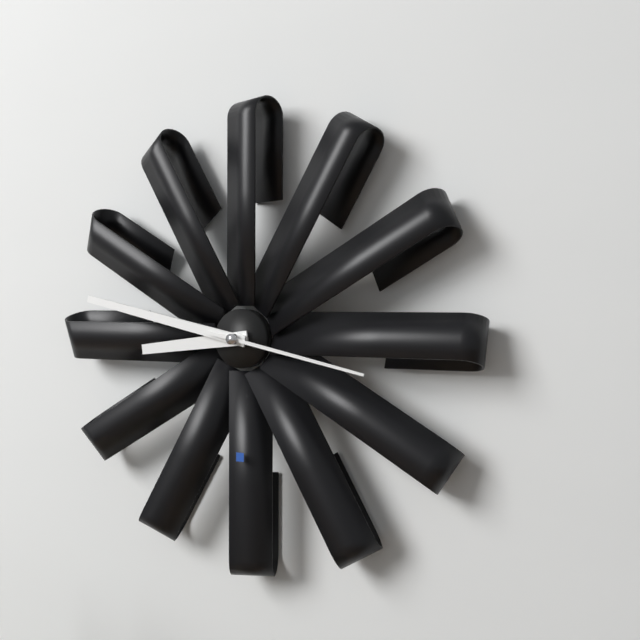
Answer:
{"hour": 8, "minute": 47, "second": 17}
